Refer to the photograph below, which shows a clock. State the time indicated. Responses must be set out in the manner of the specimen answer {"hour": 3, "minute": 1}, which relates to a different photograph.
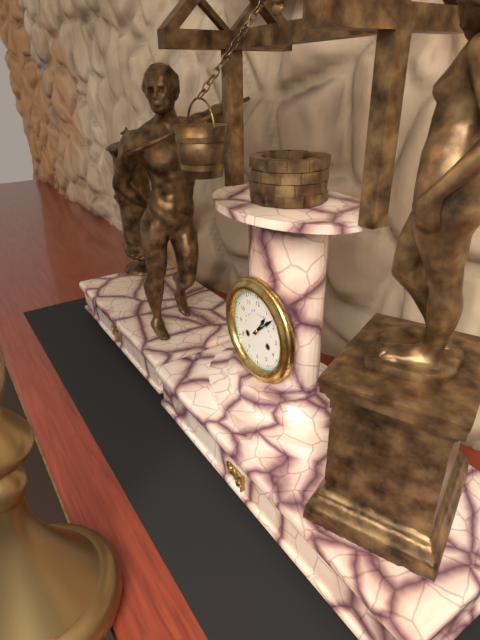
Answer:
{"hour": 1, "minute": 8}
